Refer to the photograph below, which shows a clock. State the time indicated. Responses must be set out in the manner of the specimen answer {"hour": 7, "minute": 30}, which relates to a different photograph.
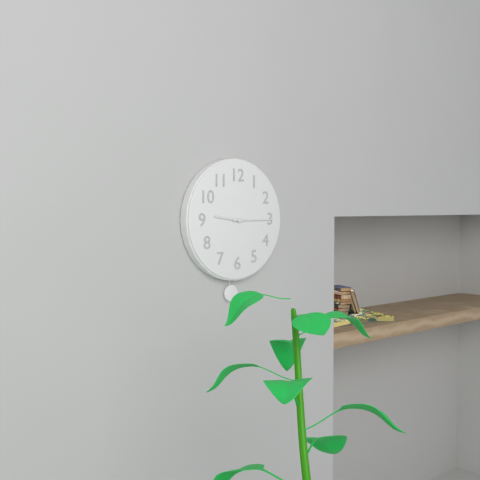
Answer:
{"hour": 9, "minute": 15}
